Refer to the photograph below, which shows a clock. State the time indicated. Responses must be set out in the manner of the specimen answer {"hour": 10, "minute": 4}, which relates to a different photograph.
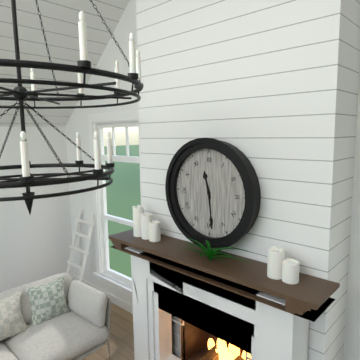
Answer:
{"hour": 11, "minute": 29}
